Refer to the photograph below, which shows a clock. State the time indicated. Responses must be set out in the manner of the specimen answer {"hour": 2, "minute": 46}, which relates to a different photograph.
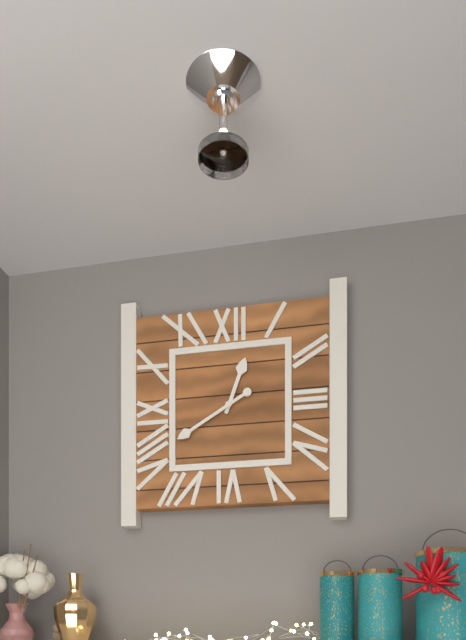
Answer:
{"hour": 12, "minute": 40}
